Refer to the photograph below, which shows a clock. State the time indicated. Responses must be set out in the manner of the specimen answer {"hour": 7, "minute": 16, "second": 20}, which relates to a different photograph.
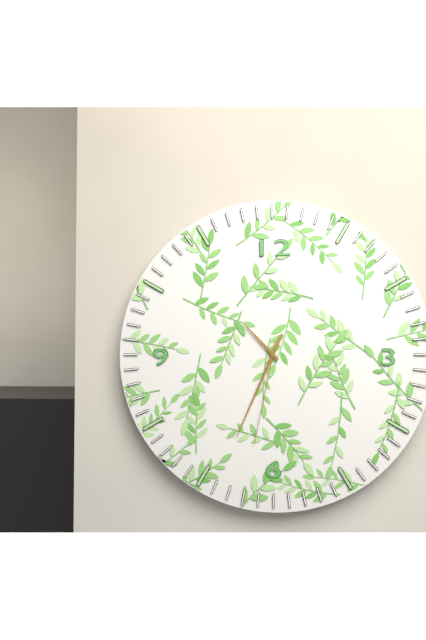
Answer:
{"hour": 10, "minute": 34, "second": 32}
